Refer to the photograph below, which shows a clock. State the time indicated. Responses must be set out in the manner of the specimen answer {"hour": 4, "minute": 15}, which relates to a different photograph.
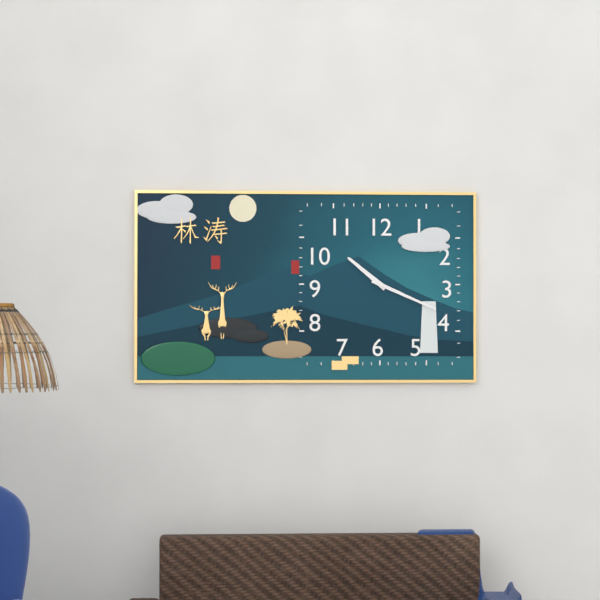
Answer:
{"hour": 10, "minute": 19}
